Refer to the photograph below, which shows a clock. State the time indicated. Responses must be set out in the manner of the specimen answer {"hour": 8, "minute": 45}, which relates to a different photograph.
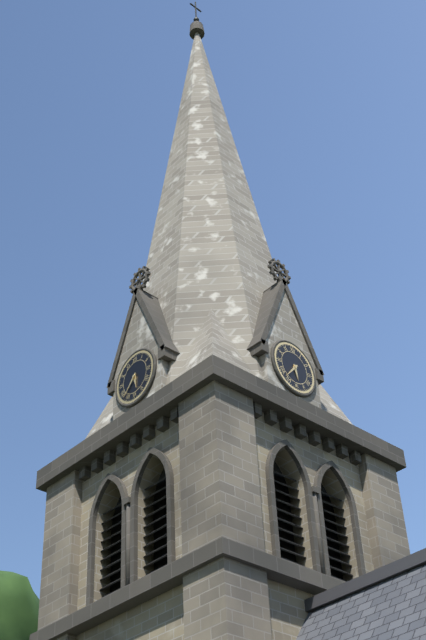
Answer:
{"hour": 5, "minute": 37}
